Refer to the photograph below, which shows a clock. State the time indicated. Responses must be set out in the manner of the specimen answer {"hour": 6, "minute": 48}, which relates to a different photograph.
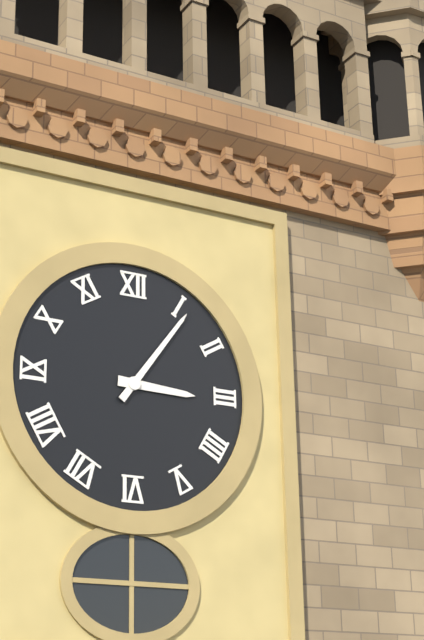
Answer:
{"hour": 3, "minute": 6}
